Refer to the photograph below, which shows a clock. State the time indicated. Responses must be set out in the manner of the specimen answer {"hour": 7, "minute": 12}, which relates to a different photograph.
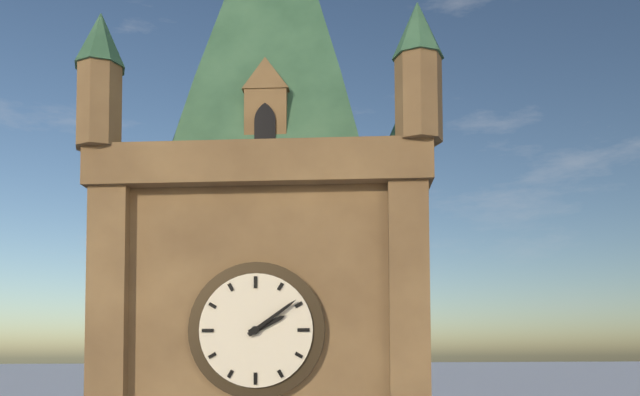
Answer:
{"hour": 2, "minute": 9}
